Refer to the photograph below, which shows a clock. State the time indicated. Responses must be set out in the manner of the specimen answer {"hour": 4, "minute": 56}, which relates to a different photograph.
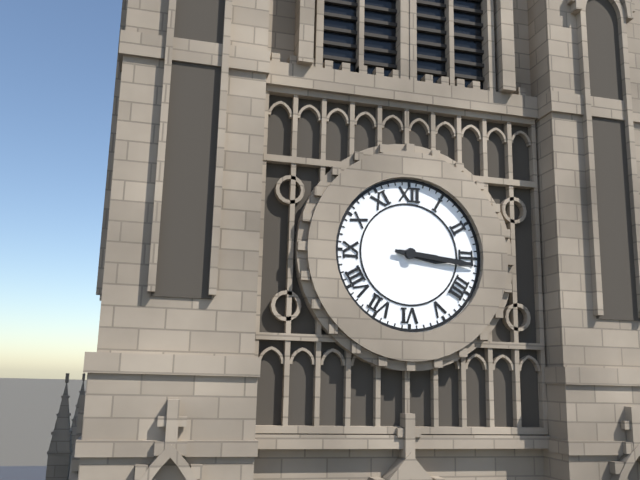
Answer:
{"hour": 3, "minute": 16}
